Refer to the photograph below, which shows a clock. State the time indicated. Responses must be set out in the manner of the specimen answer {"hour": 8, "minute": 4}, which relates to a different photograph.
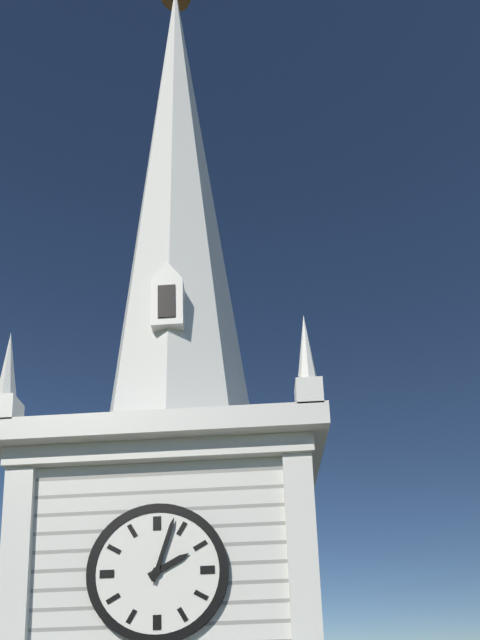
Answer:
{"hour": 2, "minute": 3}
